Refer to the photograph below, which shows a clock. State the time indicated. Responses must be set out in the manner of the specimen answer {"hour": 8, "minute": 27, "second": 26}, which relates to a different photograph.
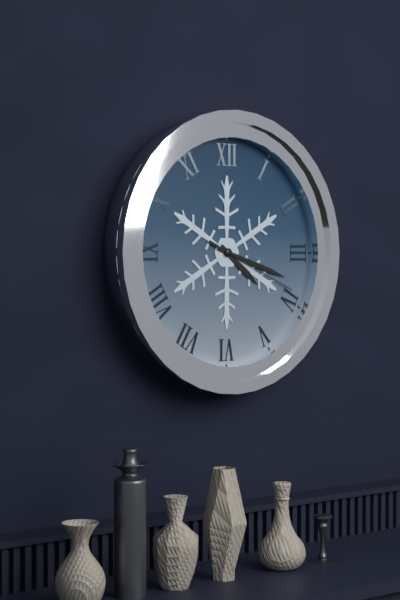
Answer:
{"hour": 4, "minute": 18, "second": 19}
